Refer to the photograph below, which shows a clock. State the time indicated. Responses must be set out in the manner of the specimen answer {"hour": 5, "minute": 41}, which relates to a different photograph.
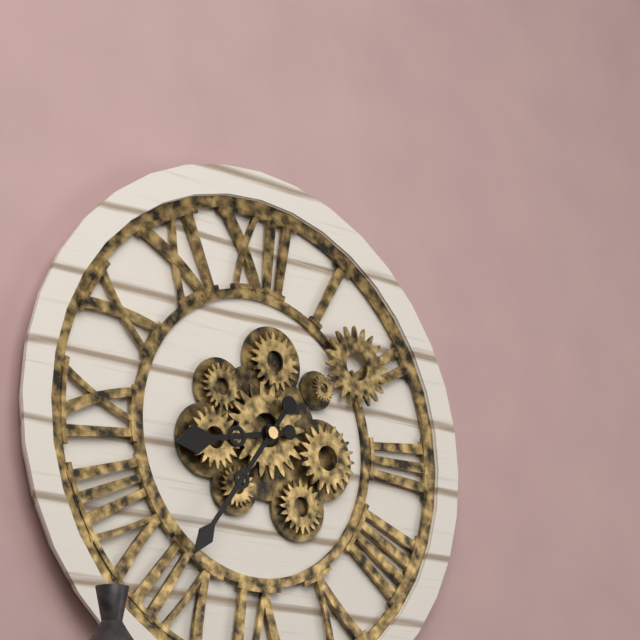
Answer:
{"hour": 8, "minute": 36}
